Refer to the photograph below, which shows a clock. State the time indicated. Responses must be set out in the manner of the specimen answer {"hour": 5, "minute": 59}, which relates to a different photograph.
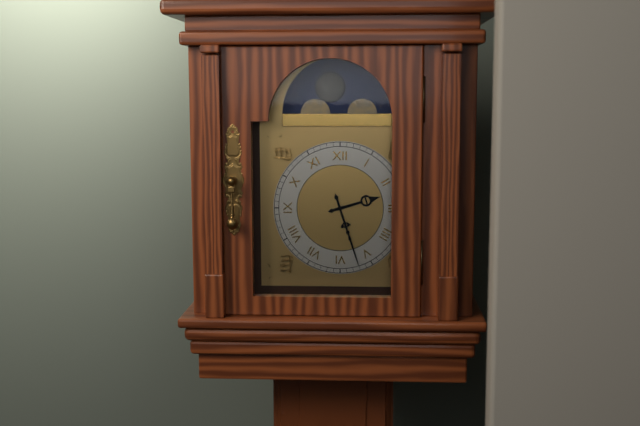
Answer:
{"hour": 2, "minute": 27}
